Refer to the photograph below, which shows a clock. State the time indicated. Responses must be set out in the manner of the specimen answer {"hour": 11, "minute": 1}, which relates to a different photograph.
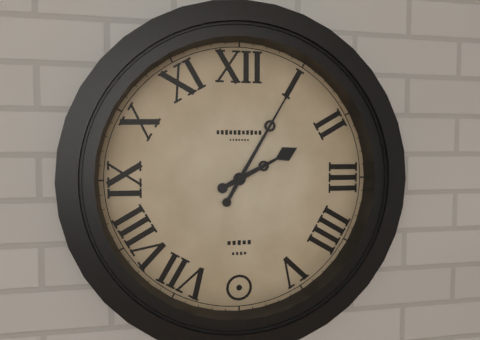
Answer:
{"hour": 2, "minute": 5}
